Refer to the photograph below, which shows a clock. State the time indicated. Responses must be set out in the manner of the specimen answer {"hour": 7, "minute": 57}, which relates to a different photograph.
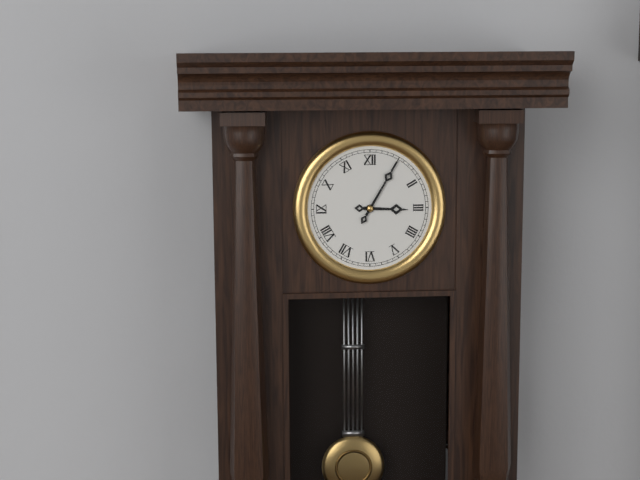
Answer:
{"hour": 3, "minute": 5}
